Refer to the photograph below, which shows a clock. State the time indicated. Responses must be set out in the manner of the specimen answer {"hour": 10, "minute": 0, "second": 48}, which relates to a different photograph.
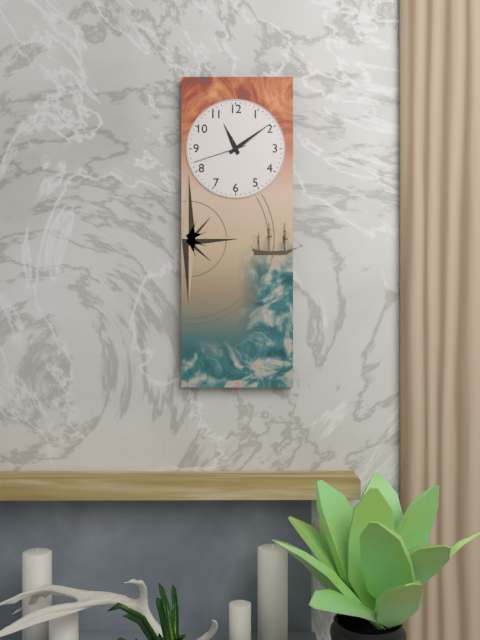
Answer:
{"hour": 11, "minute": 9, "second": 42}
